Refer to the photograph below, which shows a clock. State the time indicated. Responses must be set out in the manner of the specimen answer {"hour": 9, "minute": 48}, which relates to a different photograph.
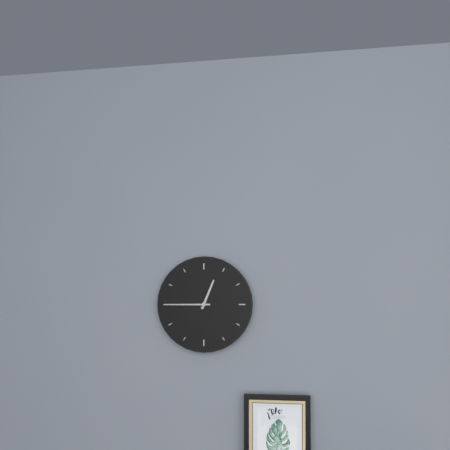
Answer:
{"hour": 12, "minute": 45}
